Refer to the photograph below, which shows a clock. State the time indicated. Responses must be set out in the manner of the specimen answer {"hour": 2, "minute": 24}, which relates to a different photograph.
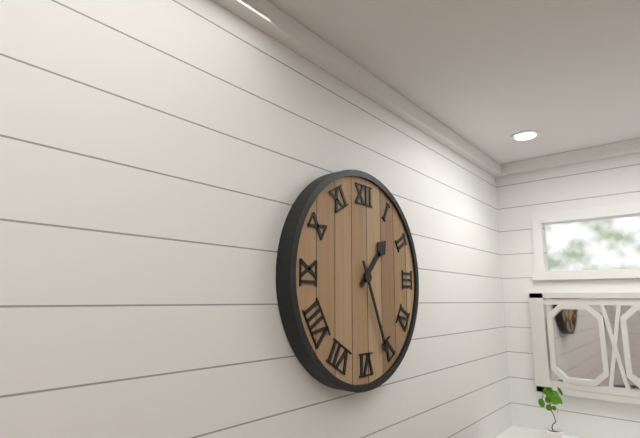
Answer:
{"hour": 1, "minute": 26}
